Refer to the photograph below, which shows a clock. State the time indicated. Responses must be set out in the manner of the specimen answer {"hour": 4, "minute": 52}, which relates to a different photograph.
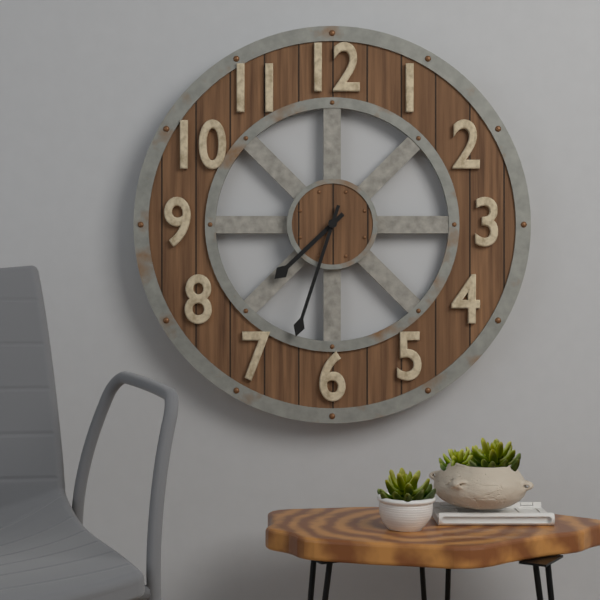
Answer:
{"hour": 7, "minute": 33}
